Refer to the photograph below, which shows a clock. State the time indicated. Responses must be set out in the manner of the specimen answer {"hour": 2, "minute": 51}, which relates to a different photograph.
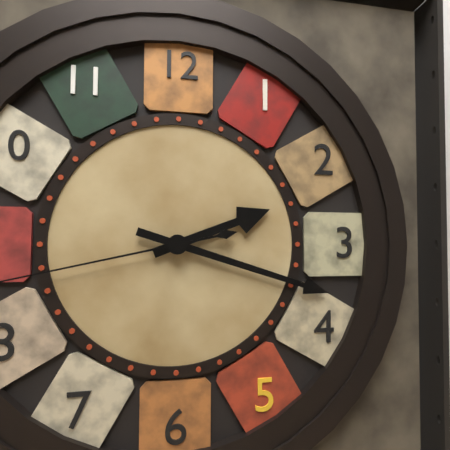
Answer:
{"hour": 2, "minute": 18}
